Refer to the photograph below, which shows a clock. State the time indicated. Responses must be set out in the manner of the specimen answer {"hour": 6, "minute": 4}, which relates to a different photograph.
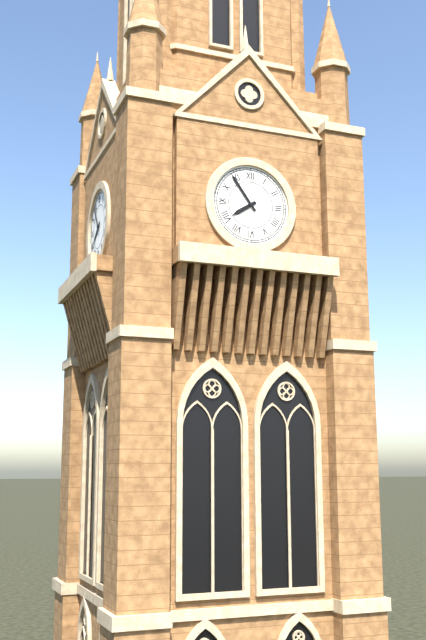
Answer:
{"hour": 7, "minute": 54}
